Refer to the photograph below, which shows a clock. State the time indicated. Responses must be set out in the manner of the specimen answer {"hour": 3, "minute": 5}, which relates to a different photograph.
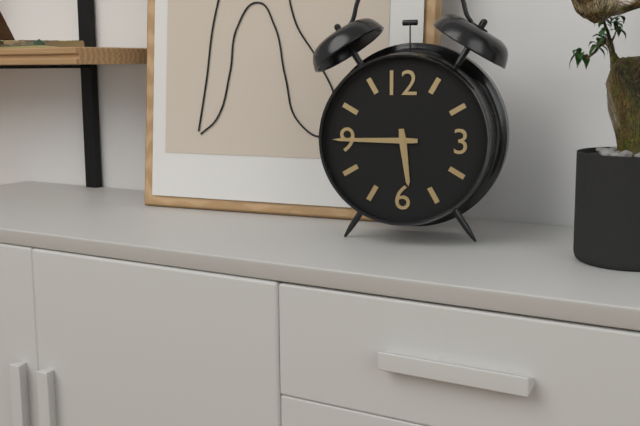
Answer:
{"hour": 5, "minute": 45}
